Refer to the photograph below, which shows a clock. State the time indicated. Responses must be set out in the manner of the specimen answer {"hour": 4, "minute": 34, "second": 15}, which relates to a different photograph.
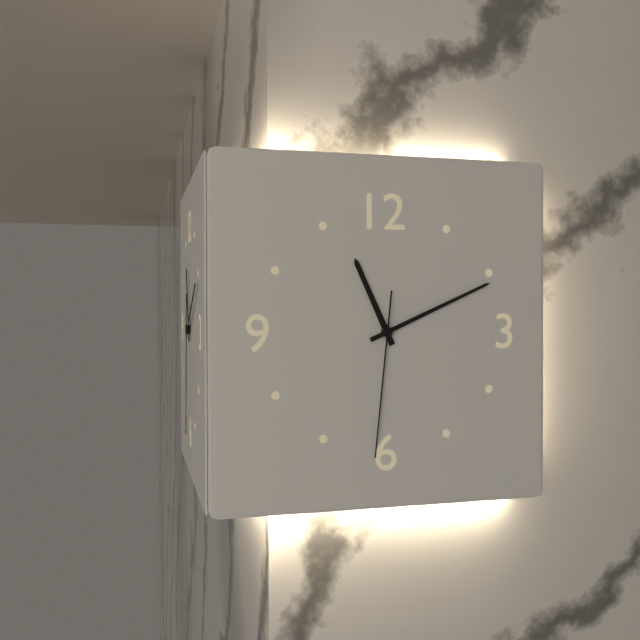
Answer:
{"hour": 11, "minute": 11, "second": 31}
